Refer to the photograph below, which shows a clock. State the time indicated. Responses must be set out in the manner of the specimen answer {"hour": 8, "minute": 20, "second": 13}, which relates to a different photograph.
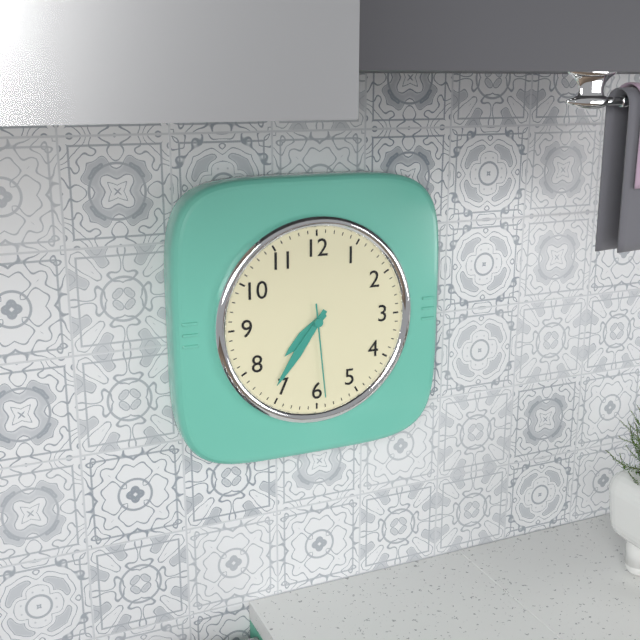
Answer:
{"hour": 7, "minute": 36, "second": 29}
